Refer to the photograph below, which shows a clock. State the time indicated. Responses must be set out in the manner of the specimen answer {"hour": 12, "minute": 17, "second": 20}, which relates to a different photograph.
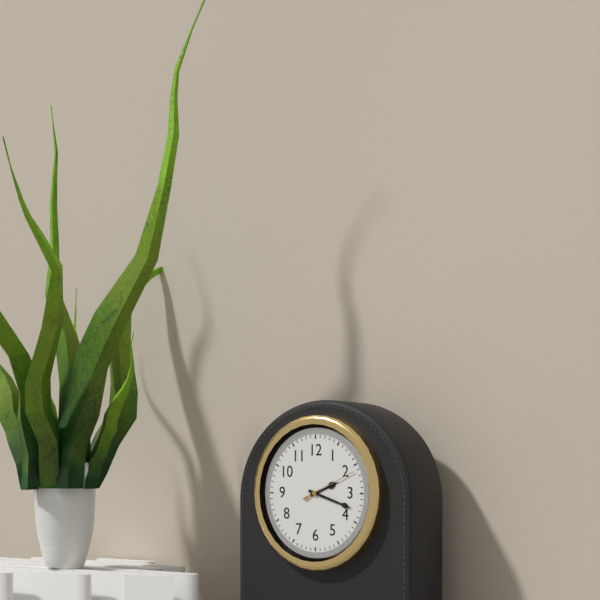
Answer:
{"hour": 2, "minute": 18, "second": 11}
